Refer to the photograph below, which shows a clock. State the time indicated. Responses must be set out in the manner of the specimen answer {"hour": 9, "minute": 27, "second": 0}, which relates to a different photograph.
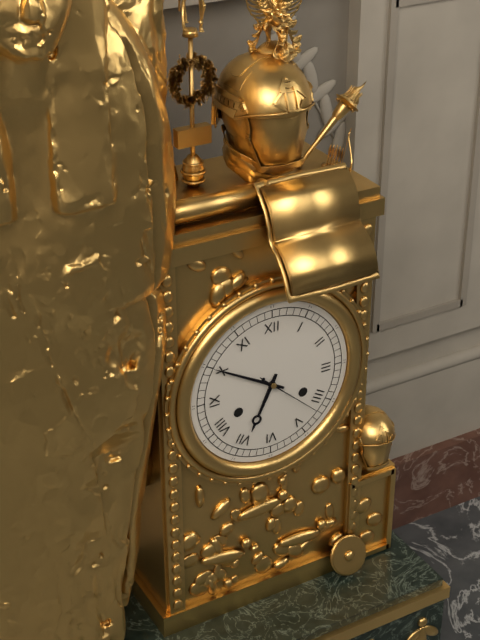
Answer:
{"hour": 6, "minute": 50, "second": 22}
